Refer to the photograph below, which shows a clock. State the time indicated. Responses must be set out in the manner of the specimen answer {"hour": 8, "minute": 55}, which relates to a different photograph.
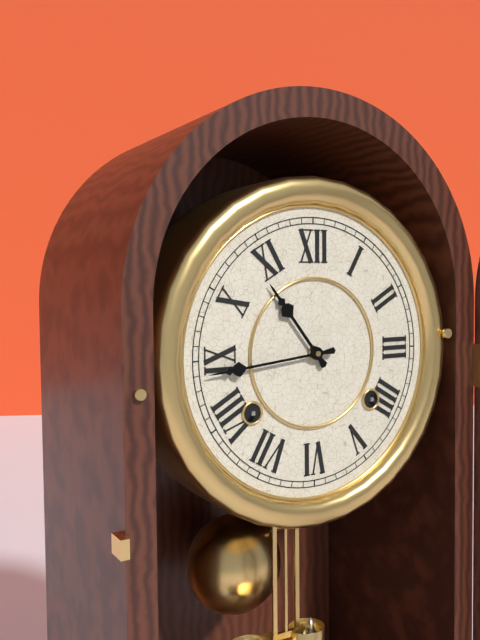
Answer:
{"hour": 10, "minute": 44}
